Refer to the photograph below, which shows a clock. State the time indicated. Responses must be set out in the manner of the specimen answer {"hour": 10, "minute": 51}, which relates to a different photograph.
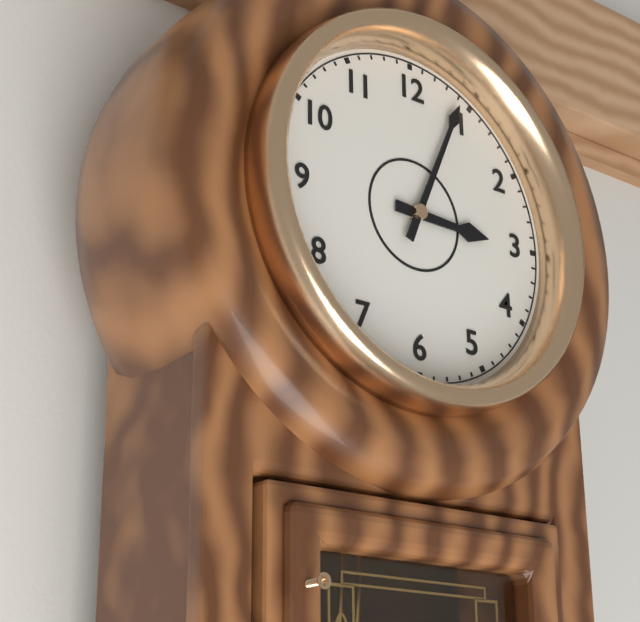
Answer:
{"hour": 3, "minute": 4}
